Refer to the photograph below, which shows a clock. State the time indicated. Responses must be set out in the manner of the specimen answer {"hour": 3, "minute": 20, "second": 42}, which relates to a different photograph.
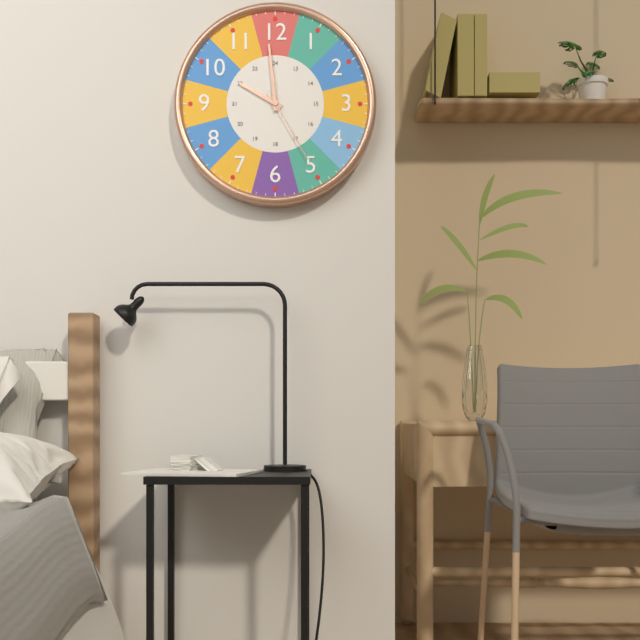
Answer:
{"hour": 9, "minute": 59, "second": 25}
